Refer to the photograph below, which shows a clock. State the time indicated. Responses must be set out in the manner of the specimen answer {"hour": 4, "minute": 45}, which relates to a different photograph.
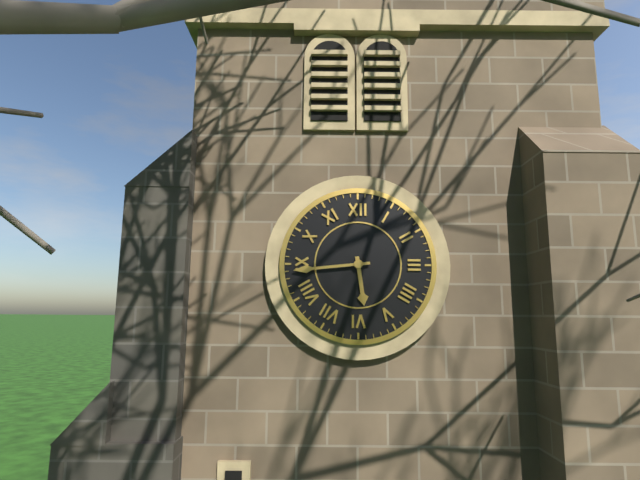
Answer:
{"hour": 5, "minute": 44}
